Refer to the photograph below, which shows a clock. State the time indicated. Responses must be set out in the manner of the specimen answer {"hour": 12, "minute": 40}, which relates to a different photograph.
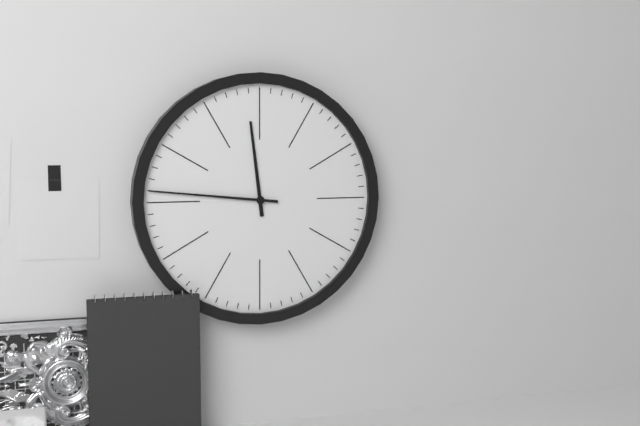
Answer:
{"hour": 11, "minute": 46}
